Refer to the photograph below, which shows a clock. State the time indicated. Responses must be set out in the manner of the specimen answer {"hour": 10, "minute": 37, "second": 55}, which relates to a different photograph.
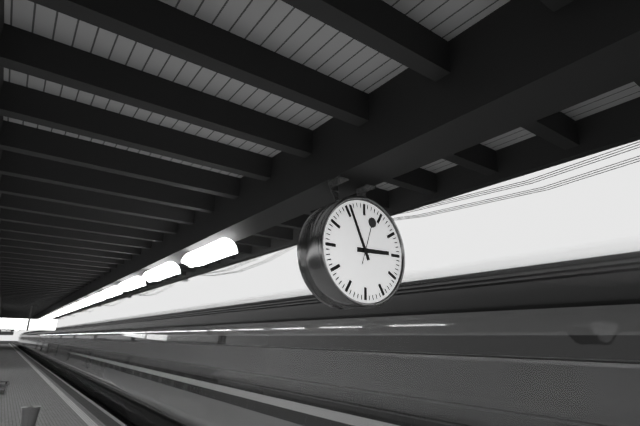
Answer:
{"hour": 2, "minute": 56, "second": 3}
